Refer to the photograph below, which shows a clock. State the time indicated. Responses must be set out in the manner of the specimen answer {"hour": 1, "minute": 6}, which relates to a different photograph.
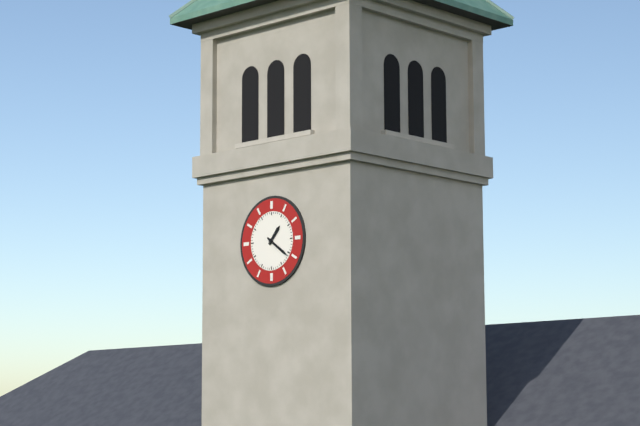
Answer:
{"hour": 1, "minute": 21}
